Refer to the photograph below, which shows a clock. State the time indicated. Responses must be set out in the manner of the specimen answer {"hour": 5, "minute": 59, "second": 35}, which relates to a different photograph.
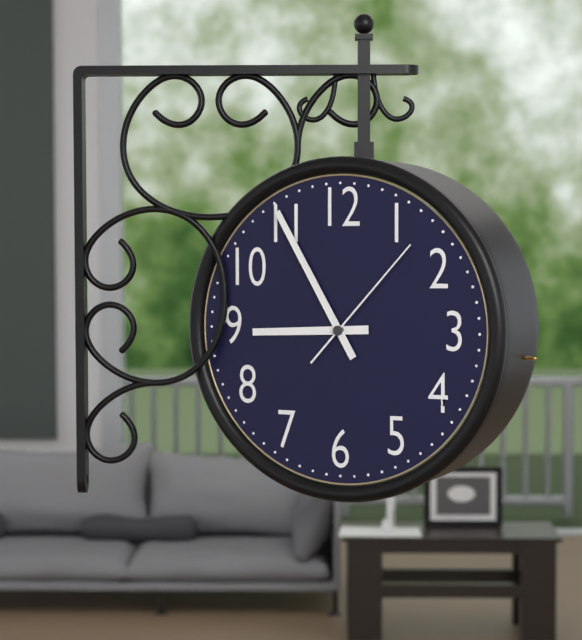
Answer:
{"hour": 8, "minute": 55, "second": 7}
